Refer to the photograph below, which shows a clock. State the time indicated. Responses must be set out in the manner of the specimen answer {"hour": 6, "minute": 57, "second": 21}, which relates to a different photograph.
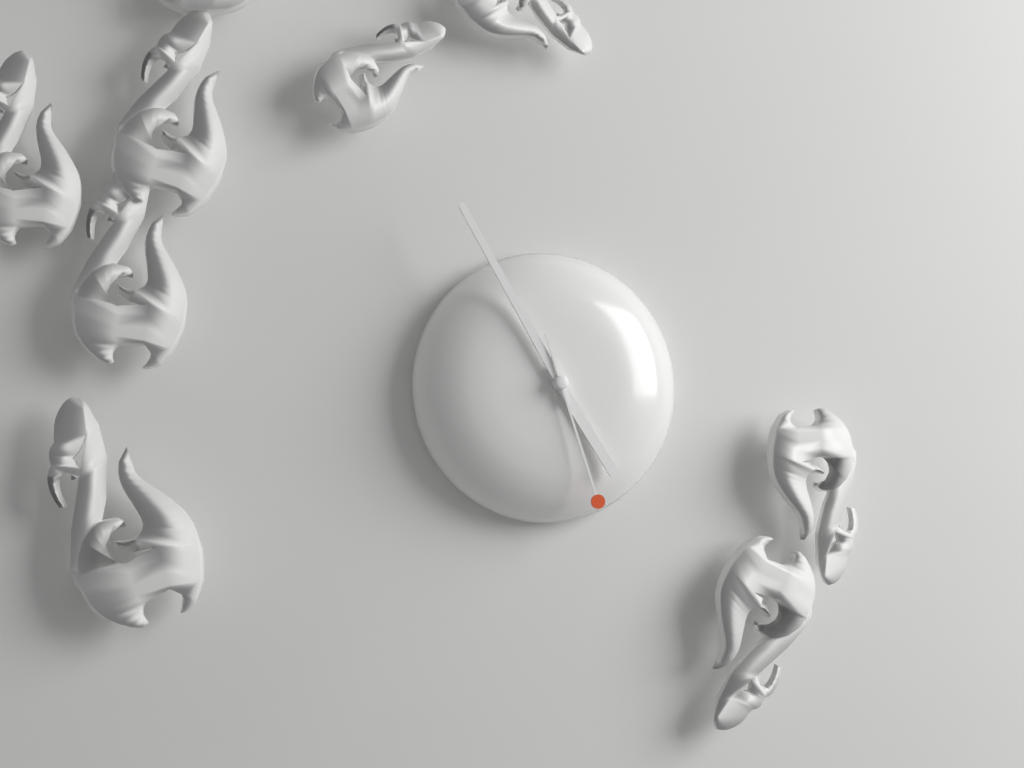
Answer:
{"hour": 4, "minute": 55, "second": 27}
